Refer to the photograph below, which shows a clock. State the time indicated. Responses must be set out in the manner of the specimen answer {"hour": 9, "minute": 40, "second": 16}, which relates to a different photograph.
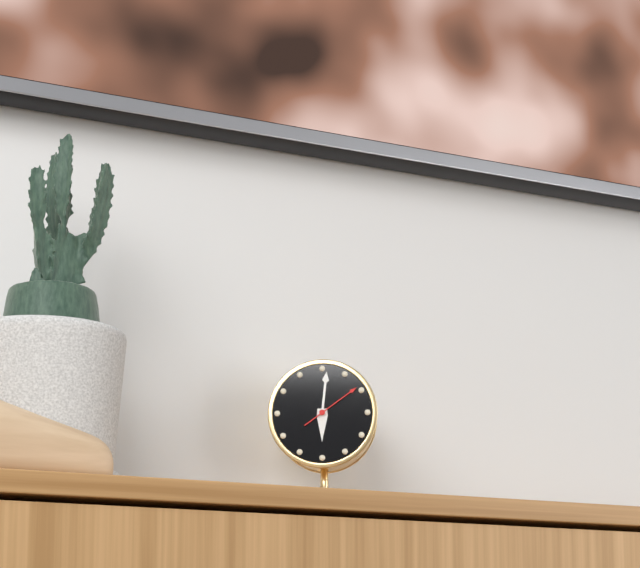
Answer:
{"hour": 6, "minute": 1, "second": 9}
